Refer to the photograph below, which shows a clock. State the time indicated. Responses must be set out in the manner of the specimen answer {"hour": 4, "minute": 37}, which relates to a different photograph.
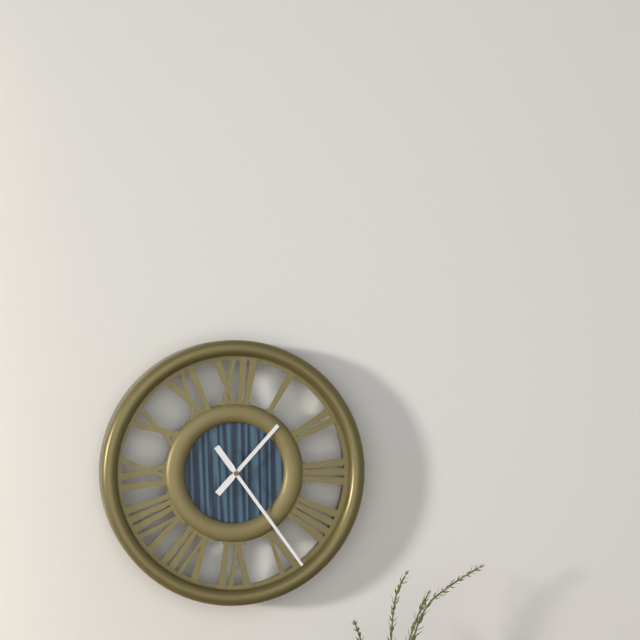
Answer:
{"hour": 1, "minute": 24}
